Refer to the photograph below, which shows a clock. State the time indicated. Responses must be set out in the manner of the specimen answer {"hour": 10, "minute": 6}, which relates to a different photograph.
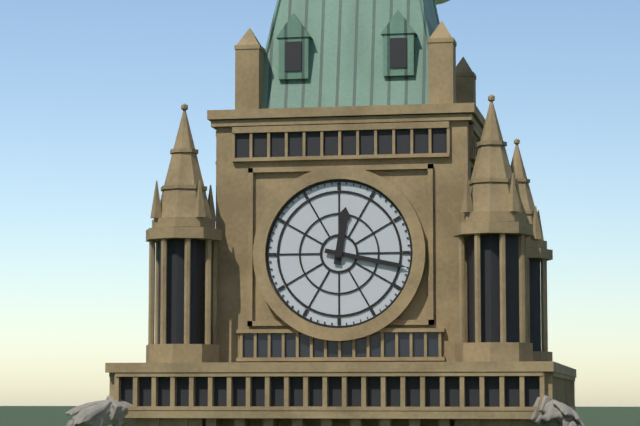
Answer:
{"hour": 12, "minute": 17}
